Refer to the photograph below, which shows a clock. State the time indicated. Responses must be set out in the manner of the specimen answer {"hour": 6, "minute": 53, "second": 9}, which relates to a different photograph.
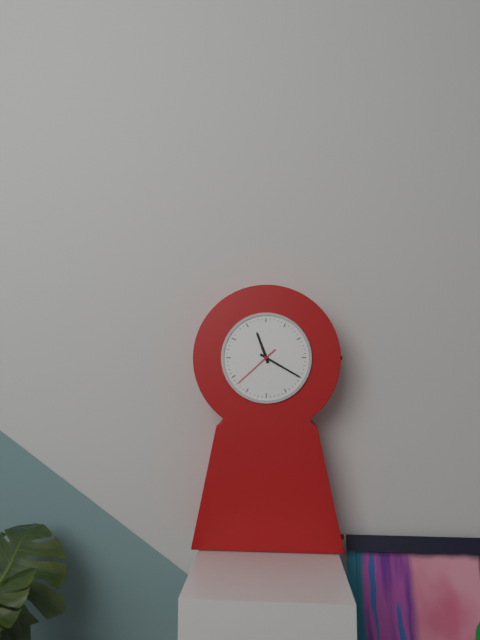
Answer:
{"hour": 11, "minute": 20, "second": 38}
